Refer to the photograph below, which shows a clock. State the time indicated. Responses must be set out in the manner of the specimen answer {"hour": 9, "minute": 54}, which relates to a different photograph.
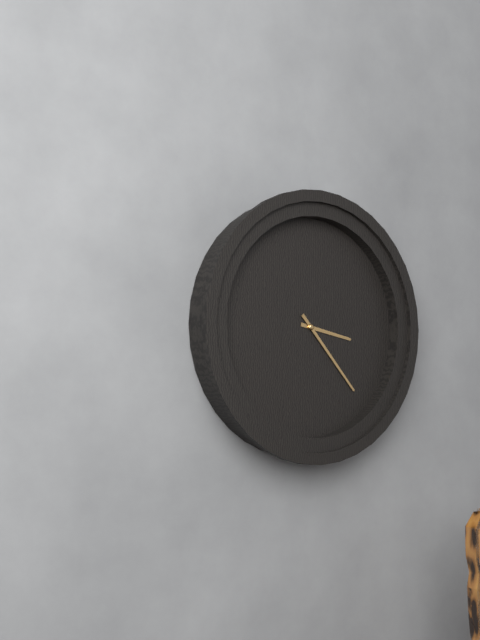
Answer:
{"hour": 3, "minute": 23}
